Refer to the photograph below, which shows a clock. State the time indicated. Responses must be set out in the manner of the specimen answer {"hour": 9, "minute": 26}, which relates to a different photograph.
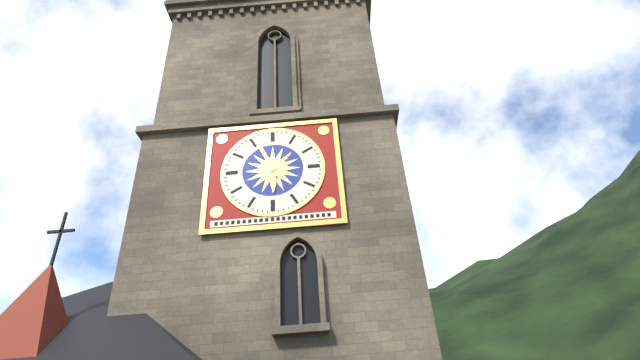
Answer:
{"hour": 5, "minute": 56}
